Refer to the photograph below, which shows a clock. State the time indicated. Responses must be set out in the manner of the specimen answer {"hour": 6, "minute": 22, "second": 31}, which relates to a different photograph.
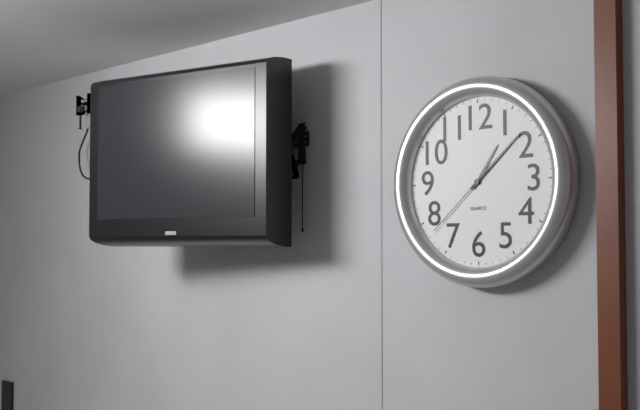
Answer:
{"hour": 1, "minute": 8, "second": 38}
